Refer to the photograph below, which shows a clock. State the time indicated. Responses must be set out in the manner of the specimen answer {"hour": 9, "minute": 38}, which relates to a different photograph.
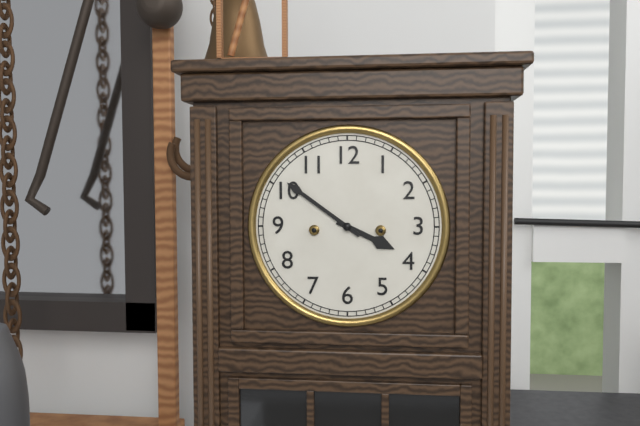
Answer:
{"hour": 3, "minute": 51}
